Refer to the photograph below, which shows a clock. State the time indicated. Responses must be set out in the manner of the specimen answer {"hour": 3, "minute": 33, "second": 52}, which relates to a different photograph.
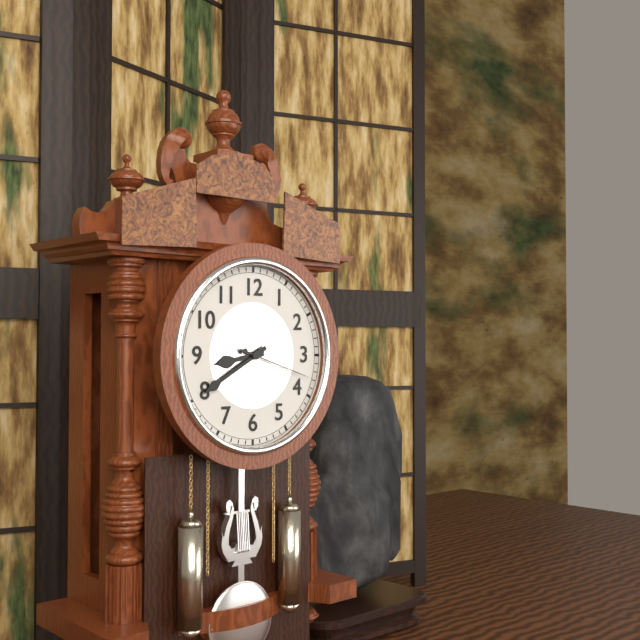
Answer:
{"hour": 8, "minute": 40, "second": 18}
